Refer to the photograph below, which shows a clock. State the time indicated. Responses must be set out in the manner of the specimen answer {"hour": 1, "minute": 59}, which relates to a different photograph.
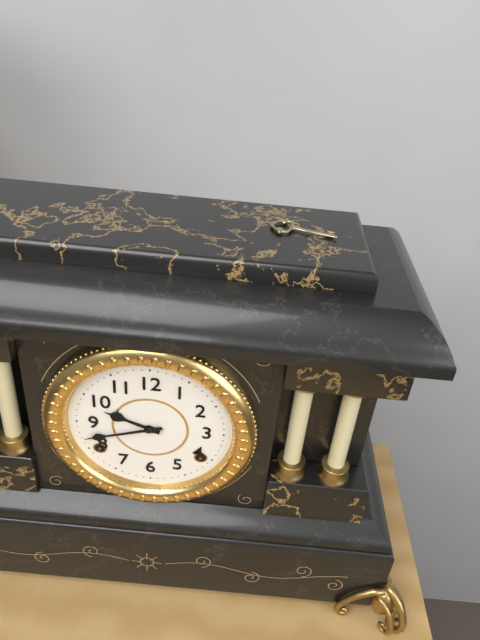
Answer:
{"hour": 9, "minute": 42}
